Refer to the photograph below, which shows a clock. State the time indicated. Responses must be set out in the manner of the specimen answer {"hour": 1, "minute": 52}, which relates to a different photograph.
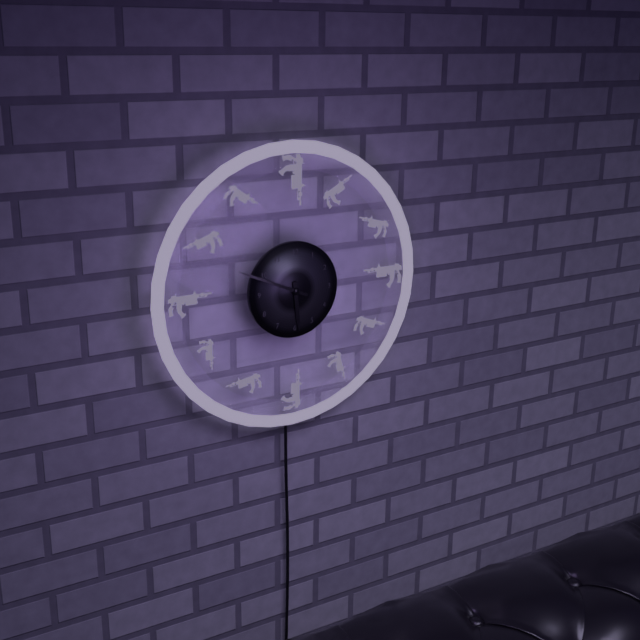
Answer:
{"hour": 5, "minute": 49}
